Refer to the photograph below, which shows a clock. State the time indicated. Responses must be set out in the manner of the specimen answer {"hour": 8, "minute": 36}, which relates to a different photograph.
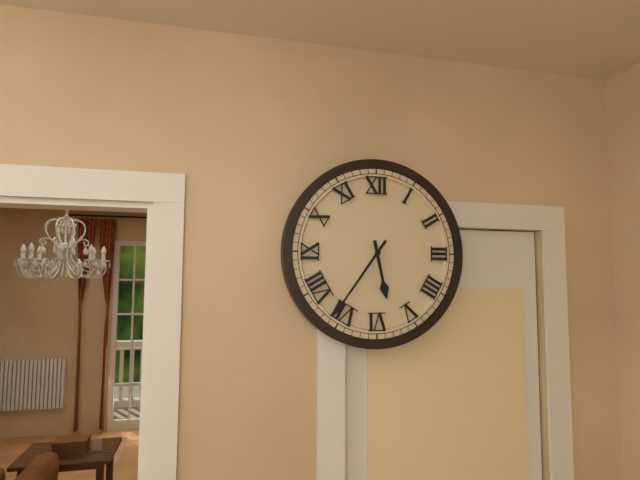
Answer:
{"hour": 5, "minute": 36}
